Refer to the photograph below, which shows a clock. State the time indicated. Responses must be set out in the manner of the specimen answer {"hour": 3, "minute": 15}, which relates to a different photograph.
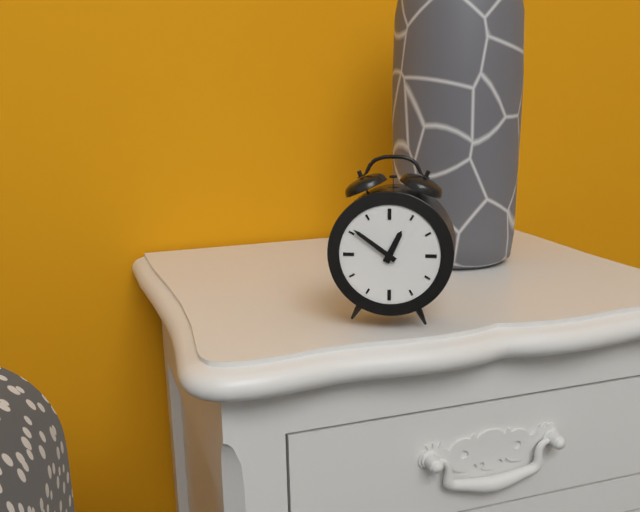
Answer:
{"hour": 12, "minute": 51}
